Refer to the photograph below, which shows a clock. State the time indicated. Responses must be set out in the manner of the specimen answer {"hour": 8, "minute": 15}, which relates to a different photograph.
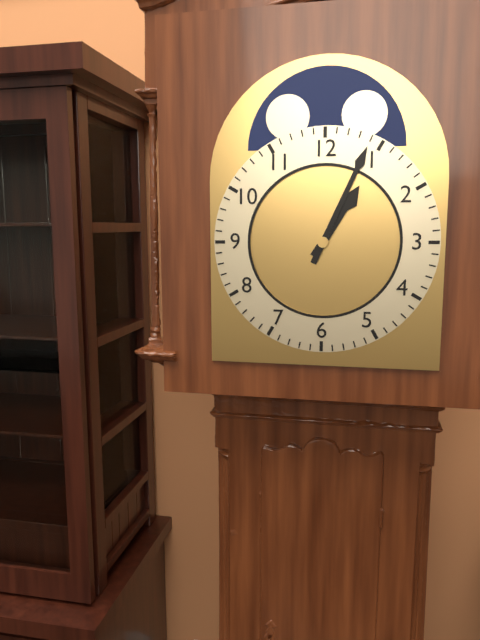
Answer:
{"hour": 1, "minute": 4}
